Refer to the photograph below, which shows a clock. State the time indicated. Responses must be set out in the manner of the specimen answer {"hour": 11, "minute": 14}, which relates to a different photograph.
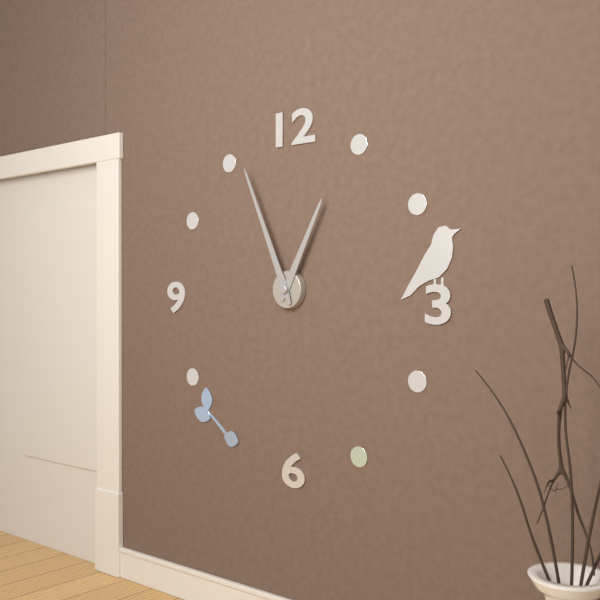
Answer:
{"hour": 12, "minute": 56}
